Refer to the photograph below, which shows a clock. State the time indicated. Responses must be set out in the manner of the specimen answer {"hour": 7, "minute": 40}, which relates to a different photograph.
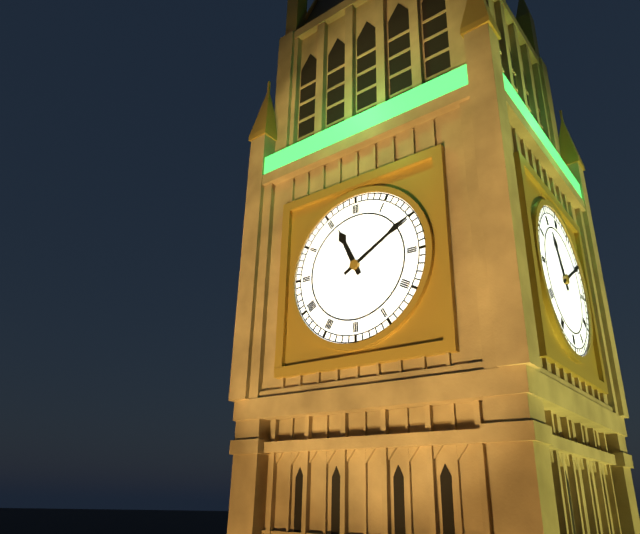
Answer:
{"hour": 11, "minute": 10}
